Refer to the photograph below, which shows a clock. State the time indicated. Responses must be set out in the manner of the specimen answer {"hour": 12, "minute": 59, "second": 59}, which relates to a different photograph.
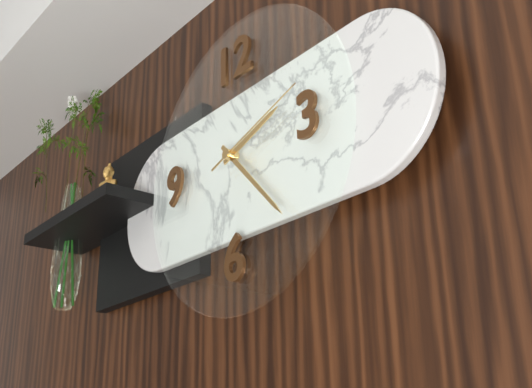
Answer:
{"hour": 2, "minute": 23, "second": 12}
